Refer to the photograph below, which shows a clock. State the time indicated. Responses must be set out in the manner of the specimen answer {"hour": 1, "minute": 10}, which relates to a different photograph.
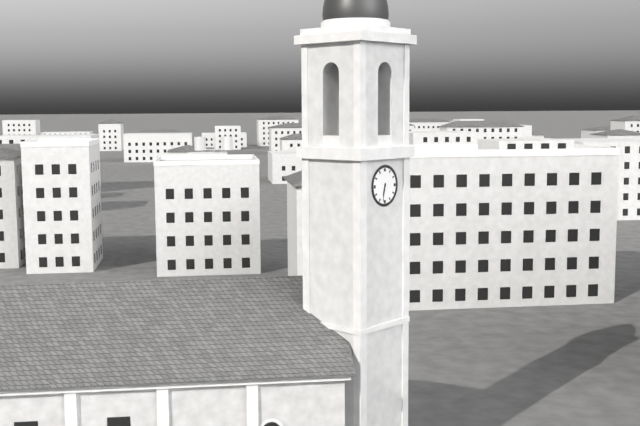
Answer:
{"hour": 6, "minute": 32}
